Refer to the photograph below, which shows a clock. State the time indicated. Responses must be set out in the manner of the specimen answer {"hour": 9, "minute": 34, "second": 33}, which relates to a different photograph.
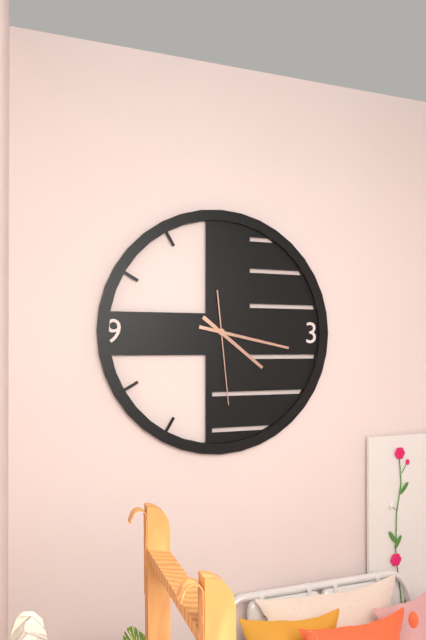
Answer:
{"hour": 4, "minute": 17, "second": 29}
